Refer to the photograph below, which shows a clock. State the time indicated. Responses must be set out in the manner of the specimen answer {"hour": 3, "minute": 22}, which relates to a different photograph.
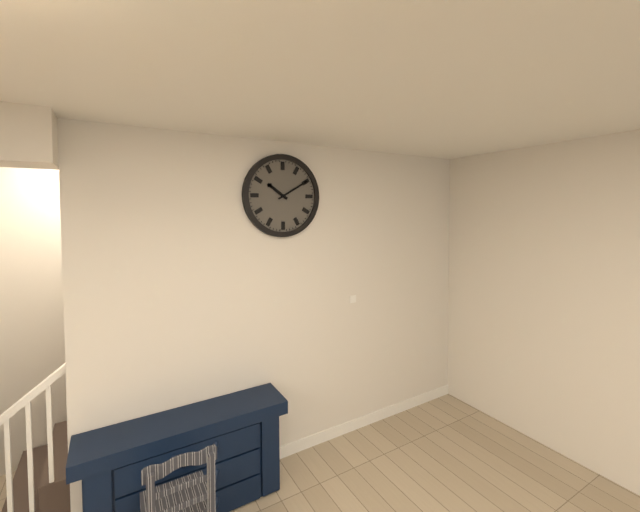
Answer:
{"hour": 10, "minute": 10}
